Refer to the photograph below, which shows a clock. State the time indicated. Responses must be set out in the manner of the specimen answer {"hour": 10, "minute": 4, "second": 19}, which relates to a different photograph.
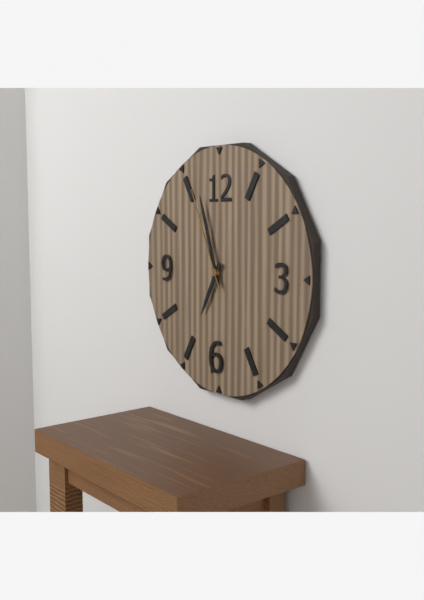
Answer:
{"hour": 6, "minute": 57, "second": 56}
